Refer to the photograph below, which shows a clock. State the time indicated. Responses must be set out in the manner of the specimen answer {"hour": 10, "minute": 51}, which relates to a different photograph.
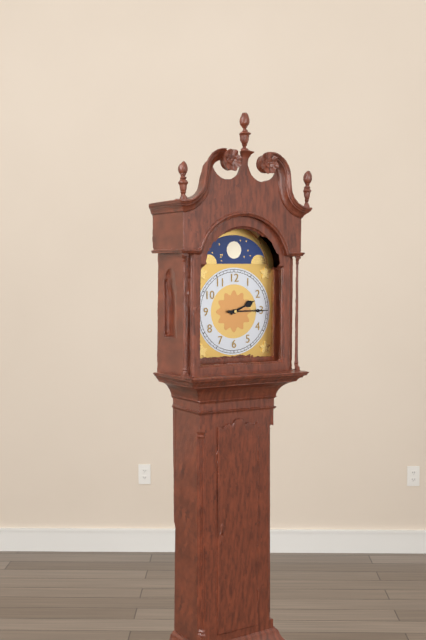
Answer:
{"hour": 2, "minute": 15}
